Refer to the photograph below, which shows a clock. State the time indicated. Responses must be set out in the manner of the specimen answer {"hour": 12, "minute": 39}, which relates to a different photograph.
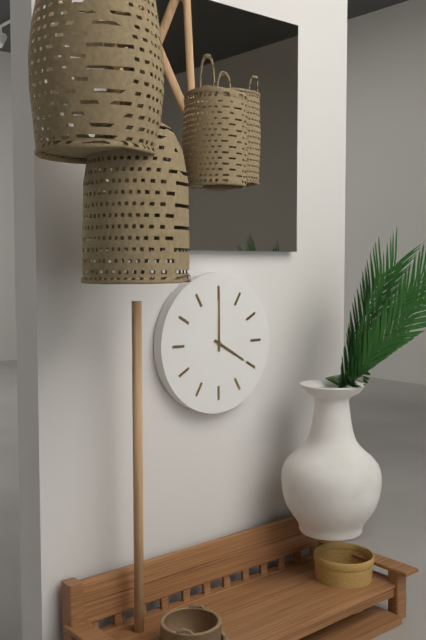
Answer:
{"hour": 4, "minute": 0}
